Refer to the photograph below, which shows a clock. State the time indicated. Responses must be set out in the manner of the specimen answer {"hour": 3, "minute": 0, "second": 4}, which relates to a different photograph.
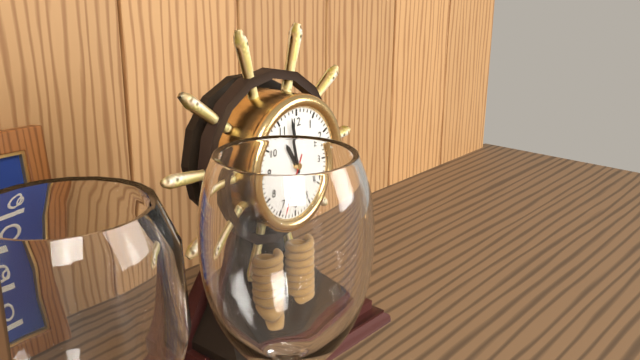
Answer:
{"hour": 10, "minute": 58, "second": 34}
